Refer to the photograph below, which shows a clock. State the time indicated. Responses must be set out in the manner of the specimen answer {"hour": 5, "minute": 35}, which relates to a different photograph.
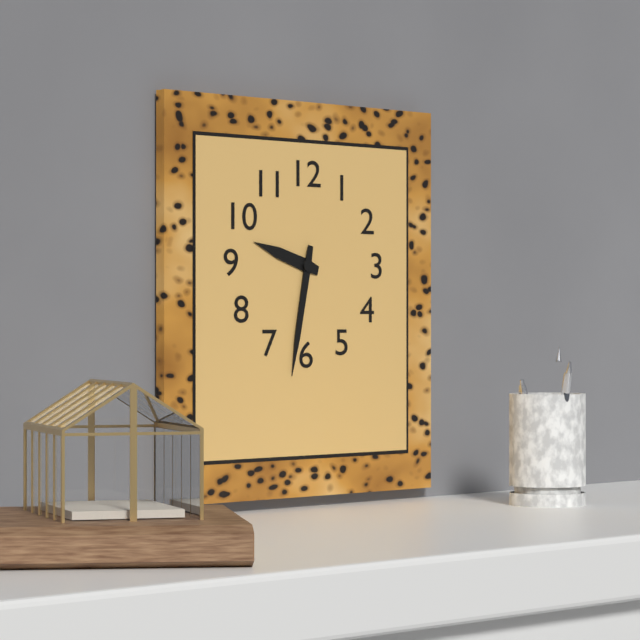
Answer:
{"hour": 9, "minute": 32}
